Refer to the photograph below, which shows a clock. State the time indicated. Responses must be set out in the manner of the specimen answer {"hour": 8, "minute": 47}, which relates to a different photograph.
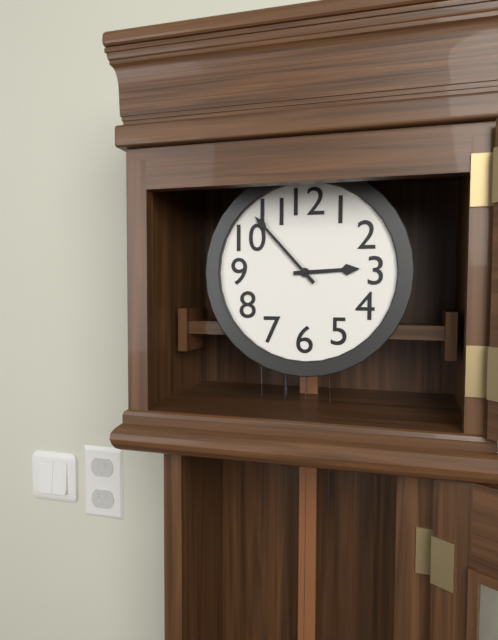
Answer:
{"hour": 2, "minute": 53}
